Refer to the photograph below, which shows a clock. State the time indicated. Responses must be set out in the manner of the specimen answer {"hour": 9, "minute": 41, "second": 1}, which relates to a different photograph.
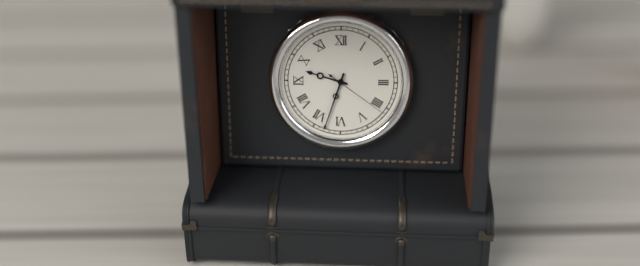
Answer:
{"hour": 9, "minute": 33, "second": 21}
